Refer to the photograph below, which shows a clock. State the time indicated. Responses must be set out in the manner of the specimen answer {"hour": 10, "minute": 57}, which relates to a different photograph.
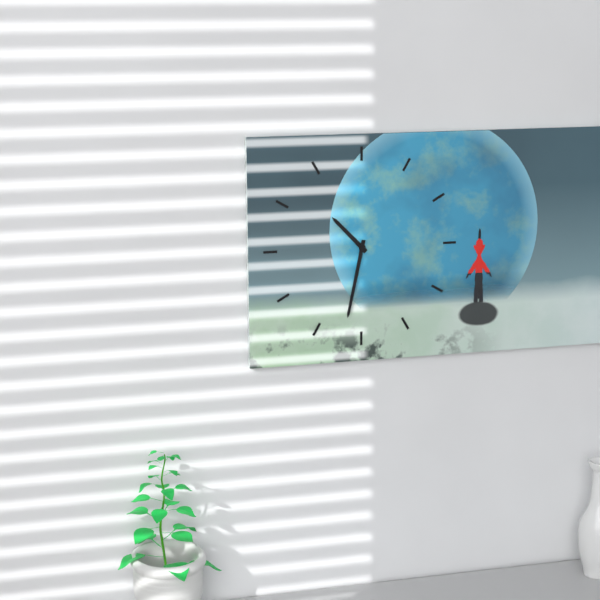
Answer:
{"hour": 10, "minute": 32}
